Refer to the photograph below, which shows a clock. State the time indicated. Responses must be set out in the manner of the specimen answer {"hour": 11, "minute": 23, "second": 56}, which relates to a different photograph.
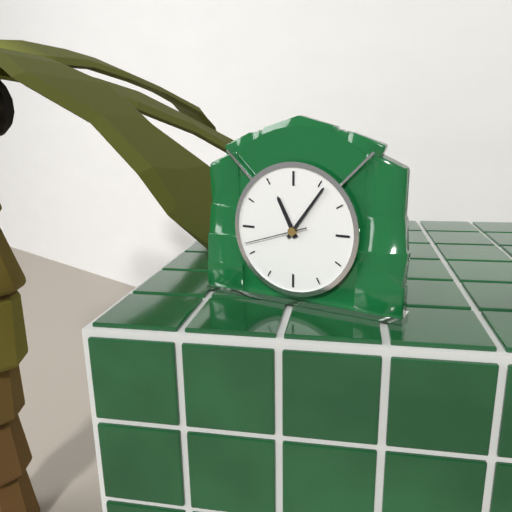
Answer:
{"hour": 11, "minute": 6, "second": 42}
